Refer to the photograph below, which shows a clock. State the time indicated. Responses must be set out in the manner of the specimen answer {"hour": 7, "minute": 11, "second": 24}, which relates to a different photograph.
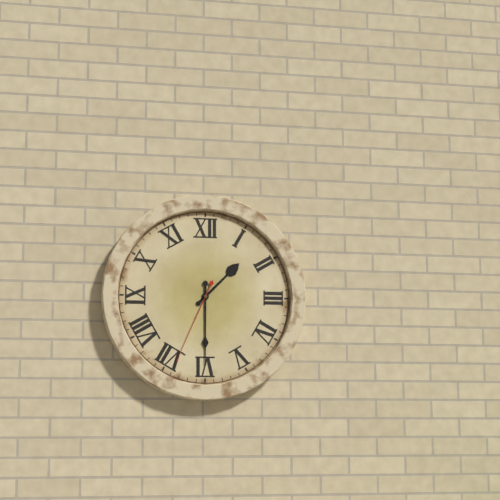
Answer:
{"hour": 1, "minute": 30, "second": 34}
